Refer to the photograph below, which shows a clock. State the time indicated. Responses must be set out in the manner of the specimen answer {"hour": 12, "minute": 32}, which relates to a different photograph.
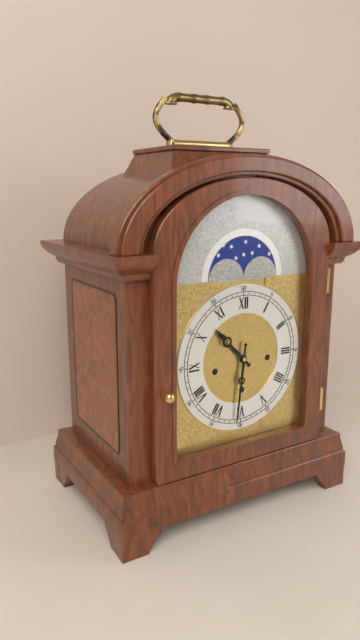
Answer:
{"hour": 10, "minute": 31}
